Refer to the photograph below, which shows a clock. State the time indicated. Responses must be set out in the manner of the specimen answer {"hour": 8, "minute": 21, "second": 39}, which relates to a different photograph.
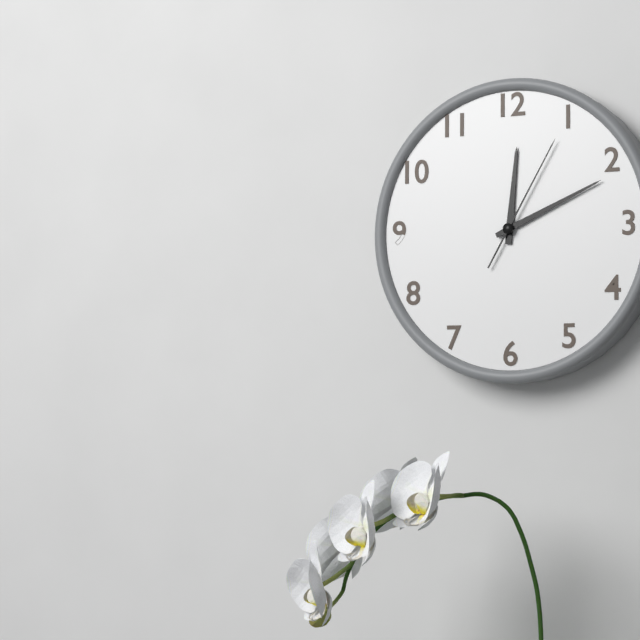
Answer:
{"hour": 12, "minute": 11, "second": 5}
